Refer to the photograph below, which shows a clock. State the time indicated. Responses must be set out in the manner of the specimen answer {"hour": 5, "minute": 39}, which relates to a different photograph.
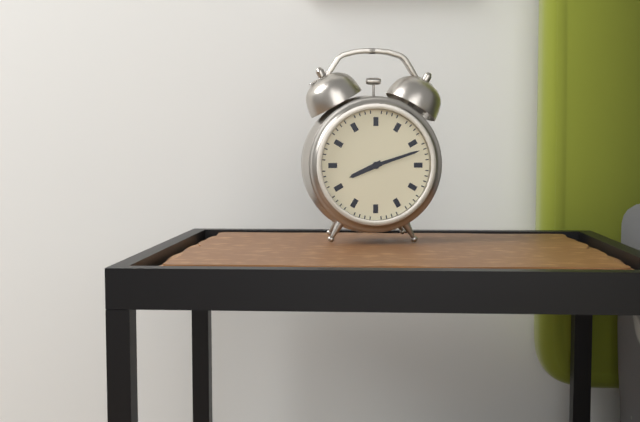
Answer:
{"hour": 8, "minute": 12}
